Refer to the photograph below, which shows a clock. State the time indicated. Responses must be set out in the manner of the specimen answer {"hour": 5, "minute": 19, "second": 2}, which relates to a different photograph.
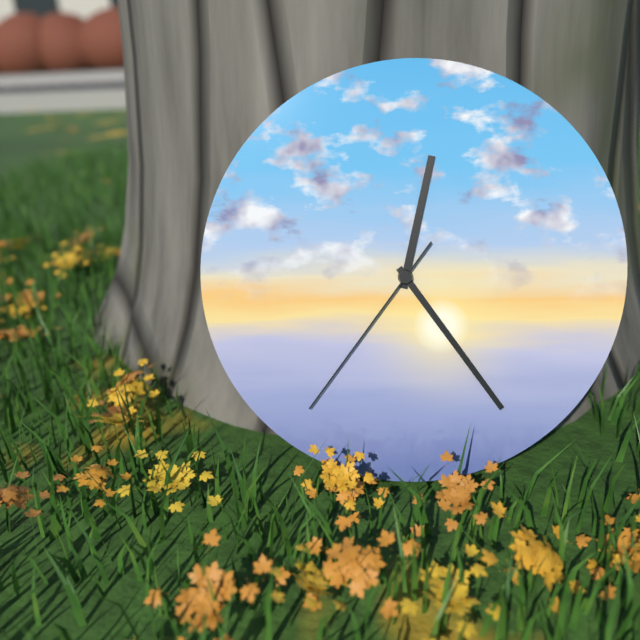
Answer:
{"hour": 12, "minute": 24, "second": 36}
